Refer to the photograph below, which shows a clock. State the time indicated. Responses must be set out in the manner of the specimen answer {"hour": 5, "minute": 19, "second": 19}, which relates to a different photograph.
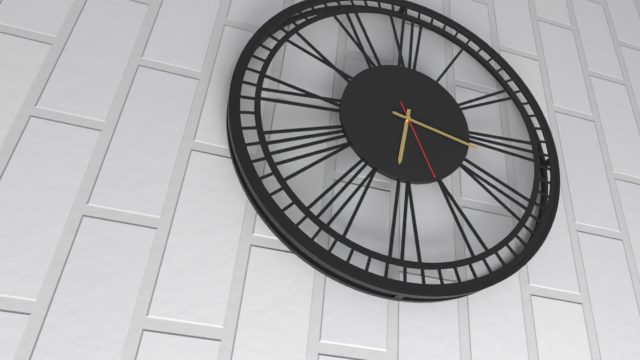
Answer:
{"hour": 6, "minute": 17, "second": 26}
